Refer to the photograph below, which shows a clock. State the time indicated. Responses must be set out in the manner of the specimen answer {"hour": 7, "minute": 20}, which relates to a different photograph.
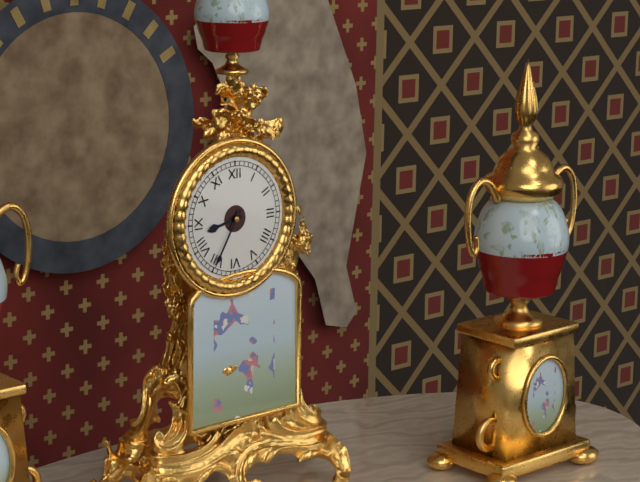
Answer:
{"hour": 8, "minute": 35}
